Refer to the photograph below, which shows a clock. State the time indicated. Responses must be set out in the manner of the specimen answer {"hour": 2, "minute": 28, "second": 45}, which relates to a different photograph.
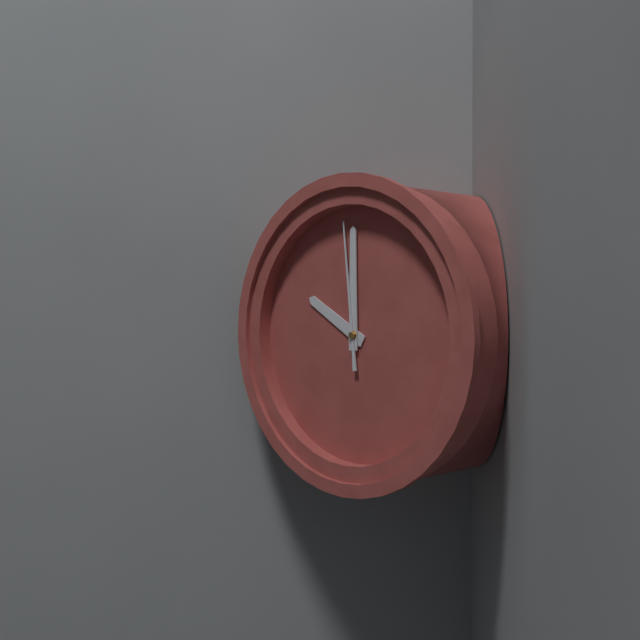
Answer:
{"hour": 10, "minute": 0, "second": 59}
